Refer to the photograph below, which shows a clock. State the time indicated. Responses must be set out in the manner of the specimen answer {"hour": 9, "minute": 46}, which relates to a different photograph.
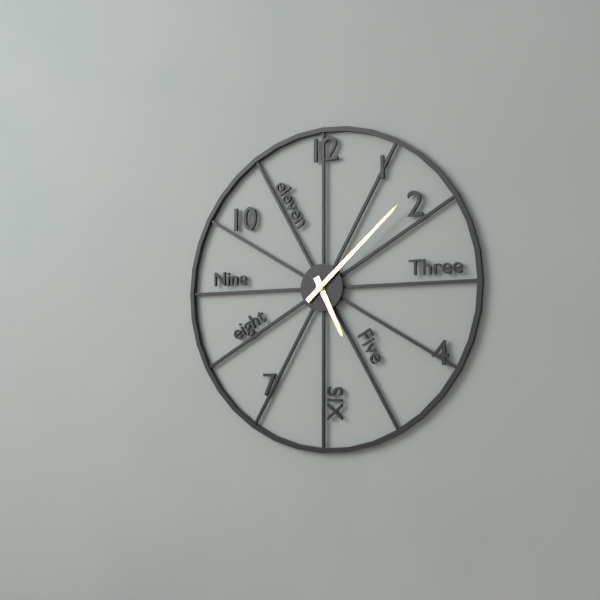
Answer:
{"hour": 5, "minute": 8}
